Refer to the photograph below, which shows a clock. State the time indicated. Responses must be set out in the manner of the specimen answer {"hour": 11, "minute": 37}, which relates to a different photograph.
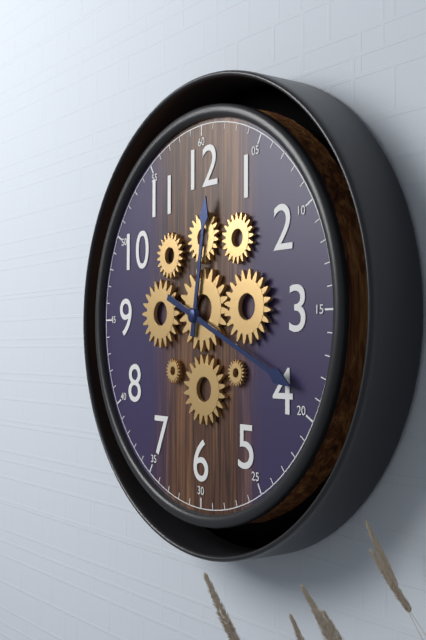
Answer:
{"hour": 12, "minute": 19}
